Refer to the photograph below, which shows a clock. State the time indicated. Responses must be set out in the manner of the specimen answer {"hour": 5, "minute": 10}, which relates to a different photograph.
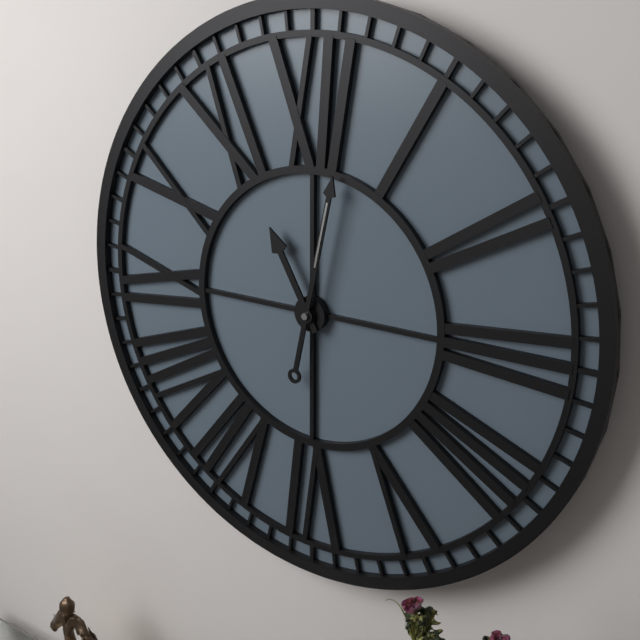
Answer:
{"hour": 11, "minute": 2}
